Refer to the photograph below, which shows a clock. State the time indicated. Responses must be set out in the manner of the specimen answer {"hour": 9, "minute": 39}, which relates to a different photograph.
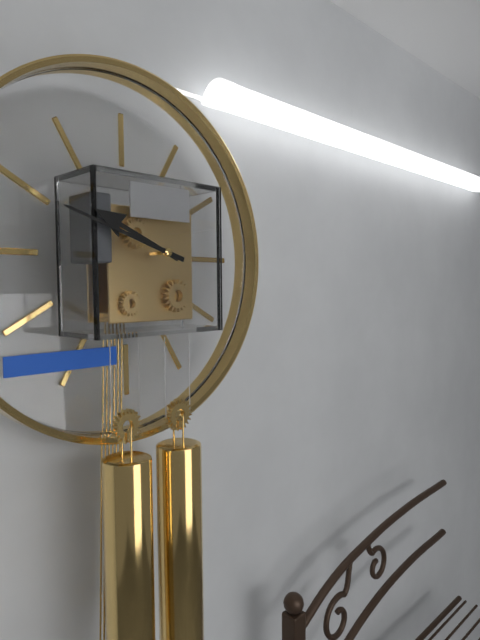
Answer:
{"hour": 9, "minute": 48}
